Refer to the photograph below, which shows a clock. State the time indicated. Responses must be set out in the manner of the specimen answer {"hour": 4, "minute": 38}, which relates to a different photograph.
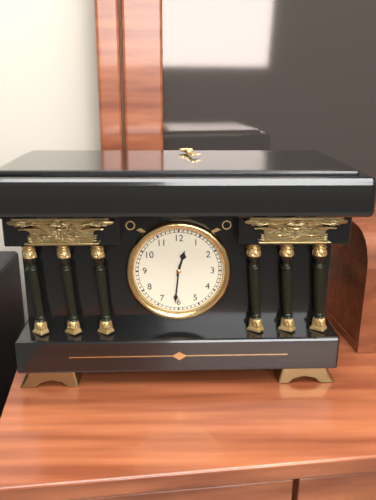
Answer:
{"hour": 12, "minute": 31}
